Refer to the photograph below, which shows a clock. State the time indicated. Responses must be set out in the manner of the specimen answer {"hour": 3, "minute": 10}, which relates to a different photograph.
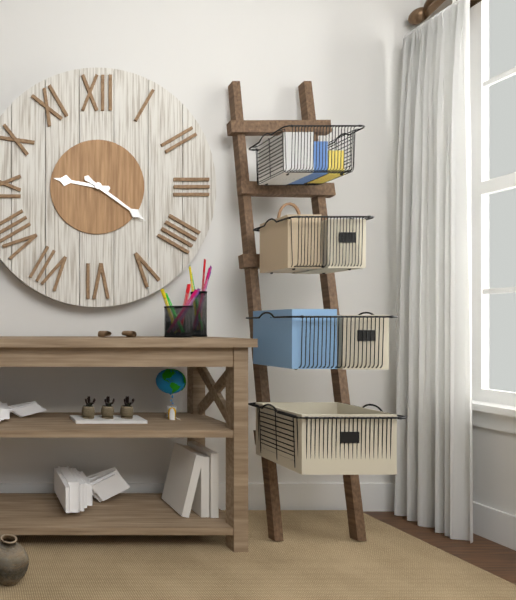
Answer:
{"hour": 9, "minute": 21}
